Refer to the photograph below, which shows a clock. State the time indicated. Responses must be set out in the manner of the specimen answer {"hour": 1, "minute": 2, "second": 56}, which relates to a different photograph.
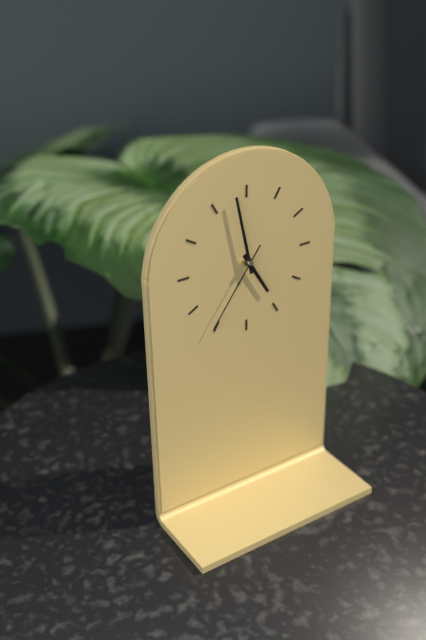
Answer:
{"hour": 4, "minute": 58, "second": 36}
